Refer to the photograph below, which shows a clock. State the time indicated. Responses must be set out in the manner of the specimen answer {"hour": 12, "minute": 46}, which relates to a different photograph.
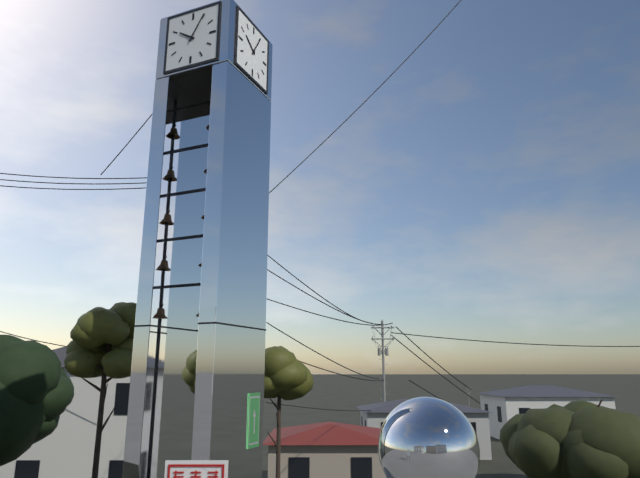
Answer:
{"hour": 10, "minute": 5}
